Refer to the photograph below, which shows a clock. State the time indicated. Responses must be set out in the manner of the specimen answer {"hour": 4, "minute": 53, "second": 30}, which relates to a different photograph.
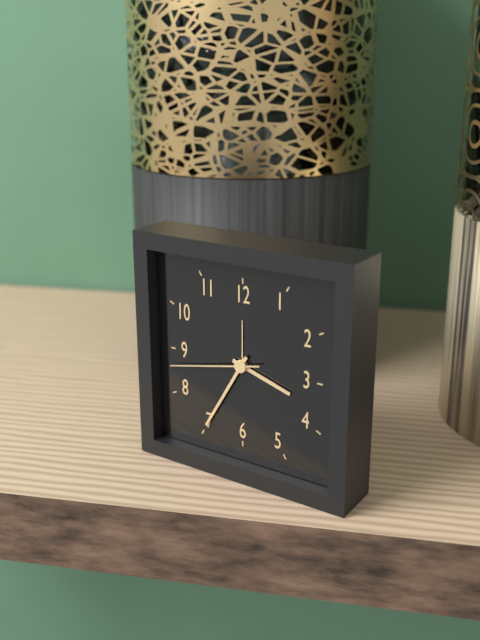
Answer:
{"hour": 3, "minute": 35, "second": 43}
